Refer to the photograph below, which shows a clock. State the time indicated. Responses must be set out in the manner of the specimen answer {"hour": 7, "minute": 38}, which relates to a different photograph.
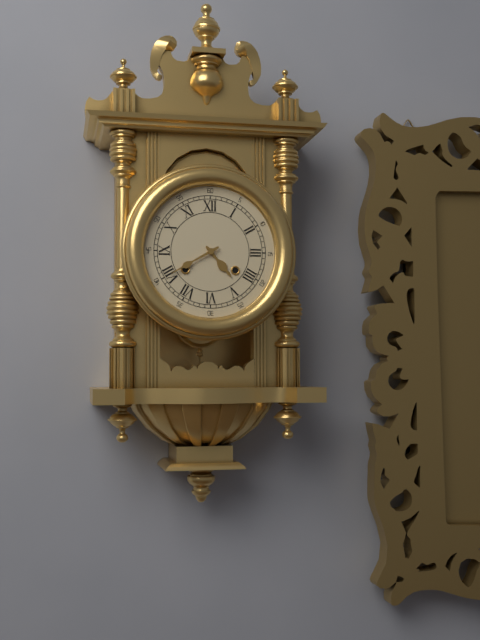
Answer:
{"hour": 4, "minute": 40}
